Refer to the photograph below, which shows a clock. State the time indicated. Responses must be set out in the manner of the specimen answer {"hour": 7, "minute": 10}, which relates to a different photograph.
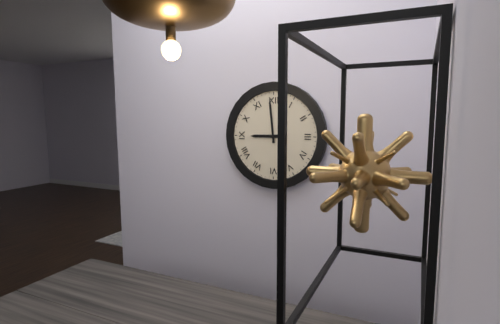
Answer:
{"hour": 8, "minute": 59}
